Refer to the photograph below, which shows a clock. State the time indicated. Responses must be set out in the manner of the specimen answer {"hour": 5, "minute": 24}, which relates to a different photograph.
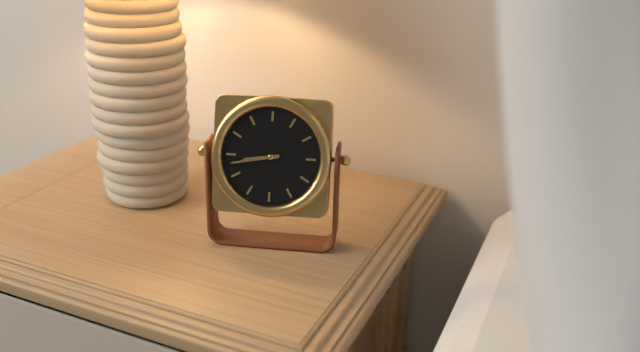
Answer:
{"hour": 8, "minute": 43}
